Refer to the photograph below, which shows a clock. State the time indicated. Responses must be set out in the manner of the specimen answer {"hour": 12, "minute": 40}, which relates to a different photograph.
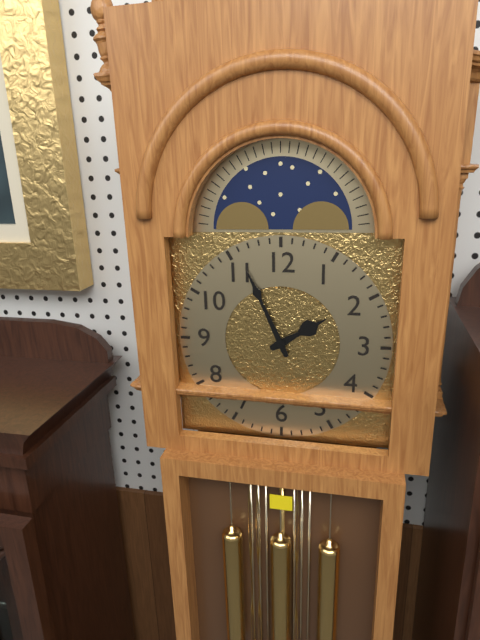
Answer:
{"hour": 1, "minute": 56}
